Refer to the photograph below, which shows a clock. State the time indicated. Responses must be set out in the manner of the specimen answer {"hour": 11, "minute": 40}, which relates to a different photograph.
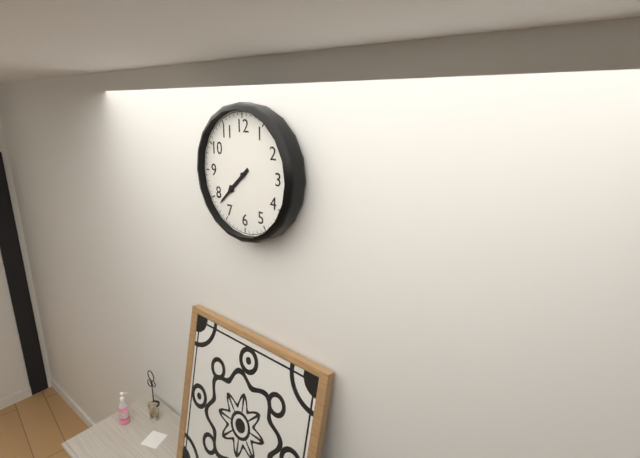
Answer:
{"hour": 7, "minute": 38}
